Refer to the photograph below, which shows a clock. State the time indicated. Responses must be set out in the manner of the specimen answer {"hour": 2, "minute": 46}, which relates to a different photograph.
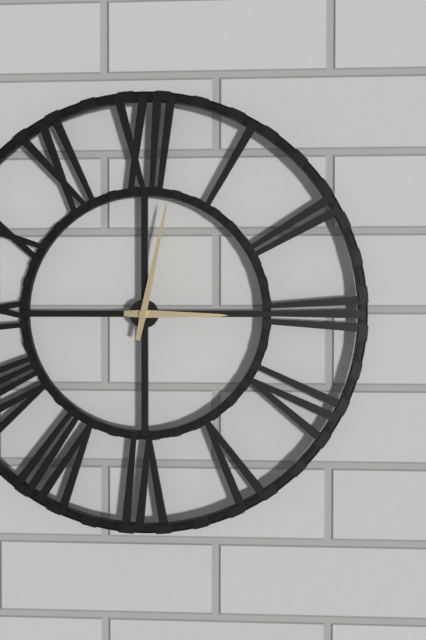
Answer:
{"hour": 3, "minute": 2}
